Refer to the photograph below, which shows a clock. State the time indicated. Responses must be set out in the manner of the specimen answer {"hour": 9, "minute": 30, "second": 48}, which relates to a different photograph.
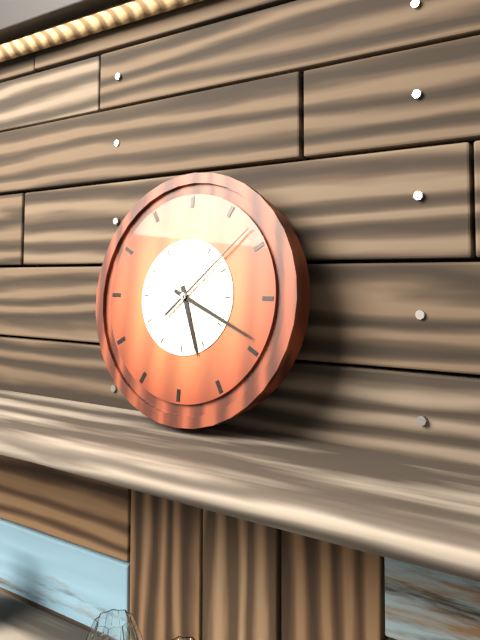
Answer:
{"hour": 5, "minute": 19, "second": 8}
